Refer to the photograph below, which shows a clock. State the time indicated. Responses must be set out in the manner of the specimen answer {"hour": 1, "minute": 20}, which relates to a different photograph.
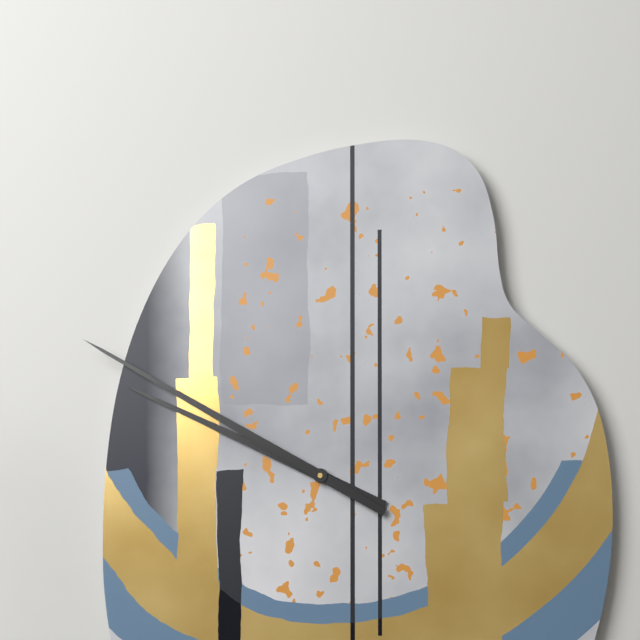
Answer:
{"hour": 9, "minute": 50}
